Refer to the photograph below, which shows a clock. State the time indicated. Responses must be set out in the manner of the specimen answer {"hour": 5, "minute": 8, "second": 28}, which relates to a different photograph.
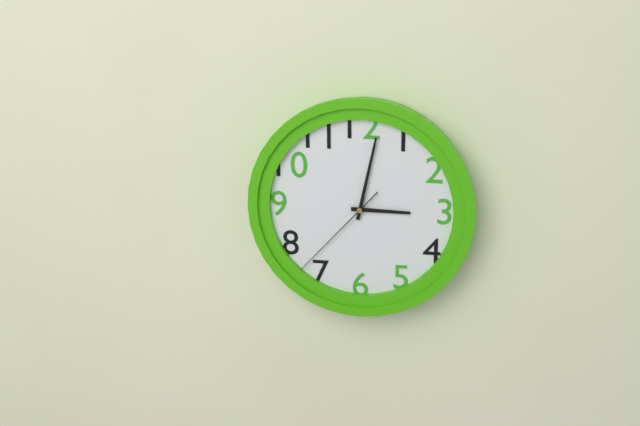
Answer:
{"hour": 3, "minute": 2, "second": 37}
